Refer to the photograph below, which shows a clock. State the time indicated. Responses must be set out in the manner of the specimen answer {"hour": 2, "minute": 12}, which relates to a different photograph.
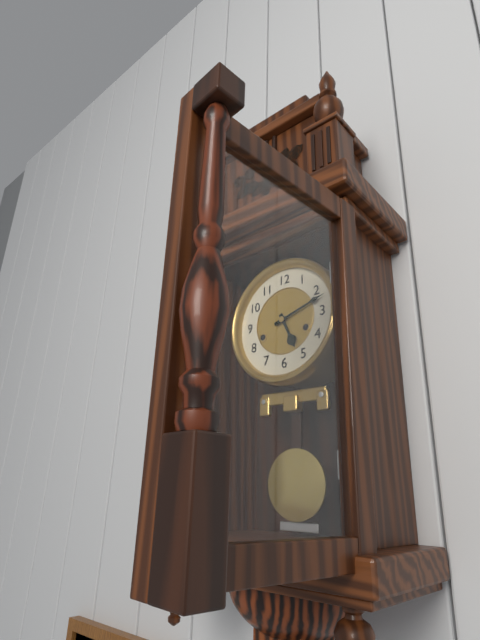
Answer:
{"hour": 5, "minute": 12}
